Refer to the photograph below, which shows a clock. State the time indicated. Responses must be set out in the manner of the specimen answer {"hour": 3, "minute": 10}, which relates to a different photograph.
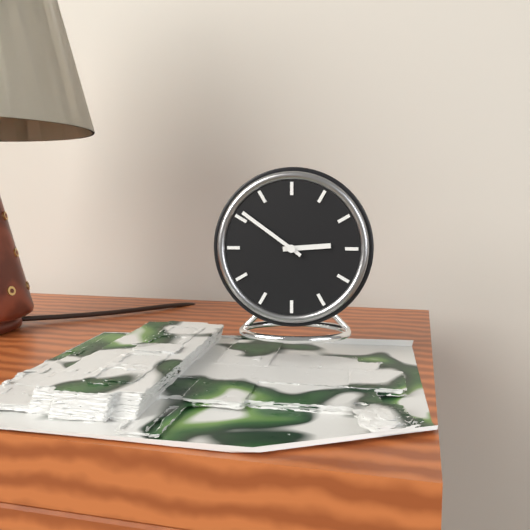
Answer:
{"hour": 2, "minute": 51}
